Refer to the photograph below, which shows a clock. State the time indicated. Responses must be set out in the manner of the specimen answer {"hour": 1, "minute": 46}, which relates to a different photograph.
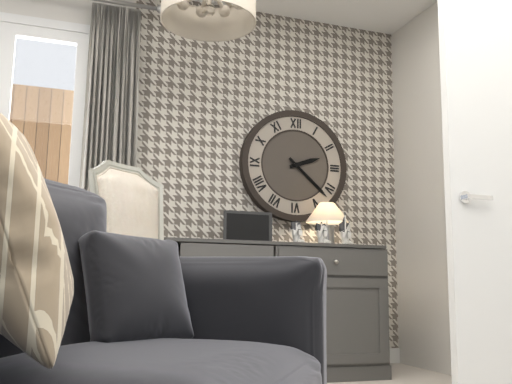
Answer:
{"hour": 2, "minute": 22}
